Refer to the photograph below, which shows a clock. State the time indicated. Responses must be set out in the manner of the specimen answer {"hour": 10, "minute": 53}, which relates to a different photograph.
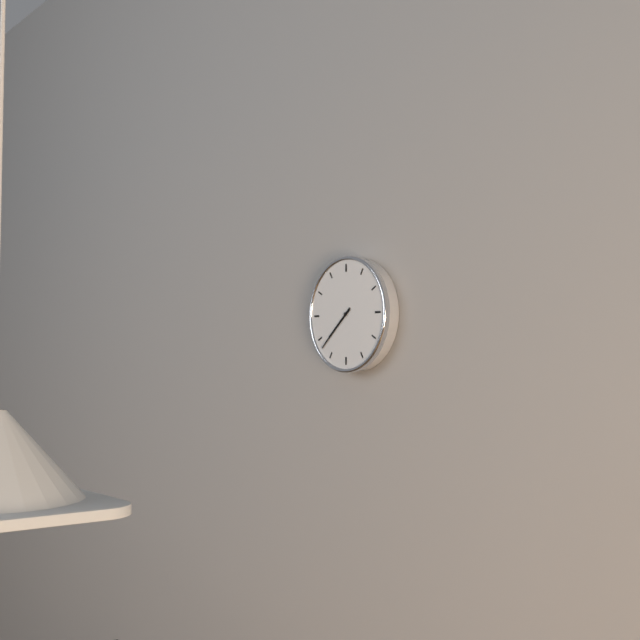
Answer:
{"hour": 7, "minute": 38}
